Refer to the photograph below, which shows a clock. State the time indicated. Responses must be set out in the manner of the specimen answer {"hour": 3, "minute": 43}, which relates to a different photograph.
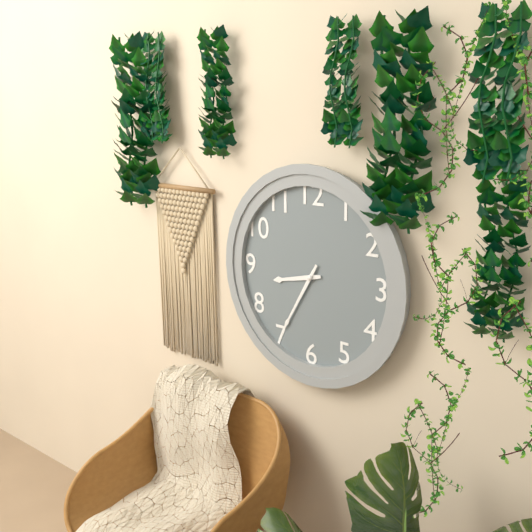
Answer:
{"hour": 8, "minute": 35}
